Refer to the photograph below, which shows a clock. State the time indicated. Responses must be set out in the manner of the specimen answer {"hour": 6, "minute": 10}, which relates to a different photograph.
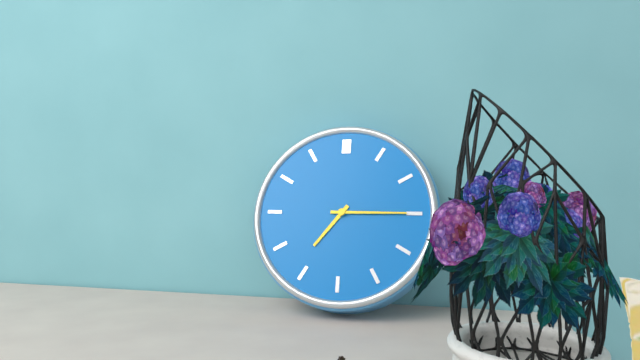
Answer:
{"hour": 7, "minute": 15}
